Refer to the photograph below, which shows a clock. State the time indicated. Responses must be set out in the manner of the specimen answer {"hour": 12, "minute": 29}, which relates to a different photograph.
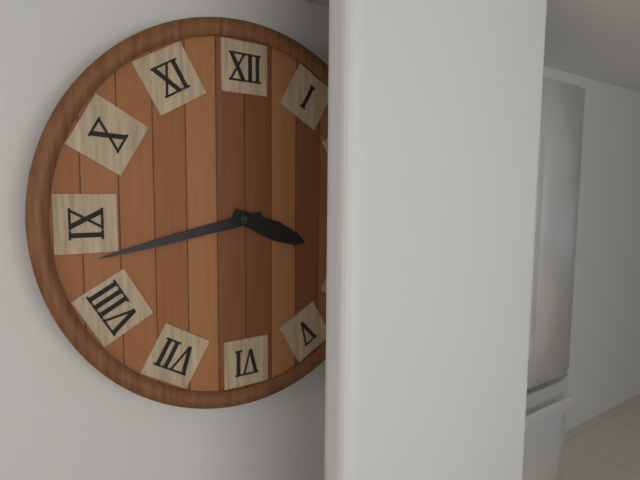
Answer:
{"hour": 3, "minute": 43}
